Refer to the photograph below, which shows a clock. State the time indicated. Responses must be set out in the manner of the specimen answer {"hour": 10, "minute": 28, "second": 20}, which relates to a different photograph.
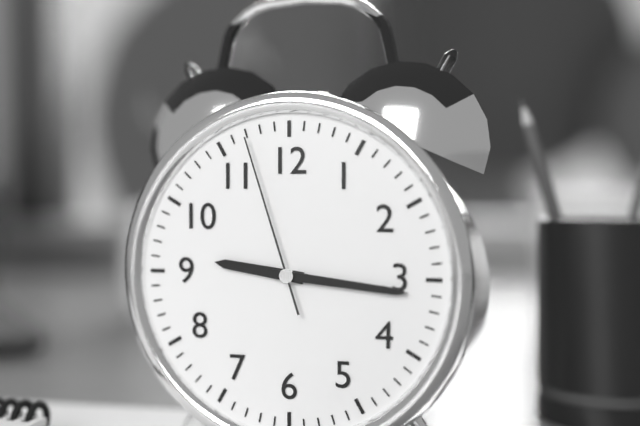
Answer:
{"hour": 9, "minute": 16, "second": 57}
